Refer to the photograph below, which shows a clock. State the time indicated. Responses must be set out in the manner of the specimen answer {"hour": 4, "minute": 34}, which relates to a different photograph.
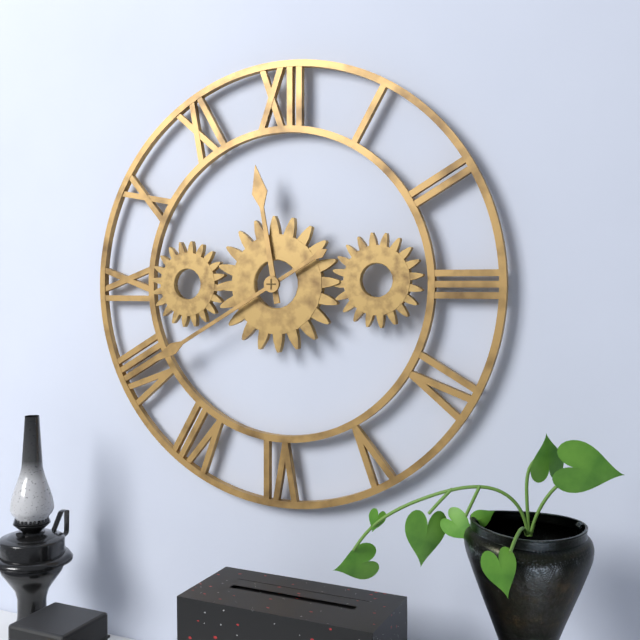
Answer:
{"hour": 11, "minute": 40}
